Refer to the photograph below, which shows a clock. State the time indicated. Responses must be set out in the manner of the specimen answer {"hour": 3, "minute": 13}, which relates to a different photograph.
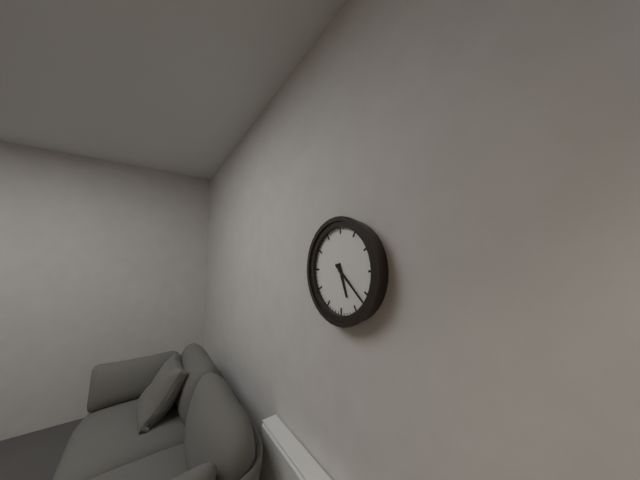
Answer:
{"hour": 5, "minute": 22}
